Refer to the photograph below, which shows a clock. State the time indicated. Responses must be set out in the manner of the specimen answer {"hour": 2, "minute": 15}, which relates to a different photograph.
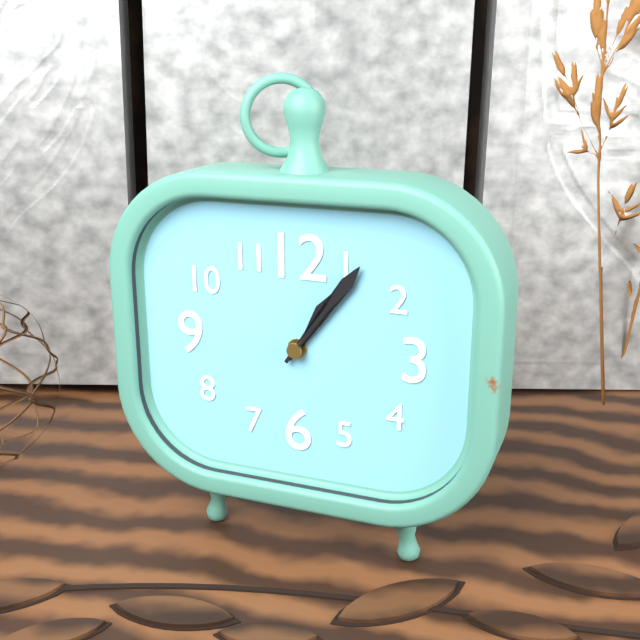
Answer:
{"hour": 1, "minute": 6}
